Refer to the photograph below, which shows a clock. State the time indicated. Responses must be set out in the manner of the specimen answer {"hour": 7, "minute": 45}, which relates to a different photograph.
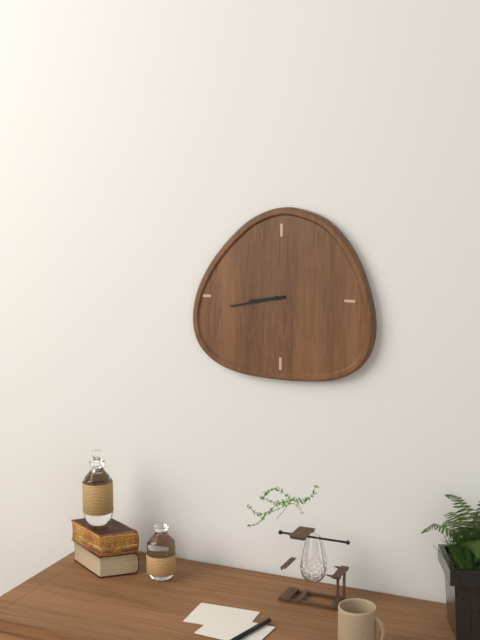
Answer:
{"hour": 8, "minute": 43}
